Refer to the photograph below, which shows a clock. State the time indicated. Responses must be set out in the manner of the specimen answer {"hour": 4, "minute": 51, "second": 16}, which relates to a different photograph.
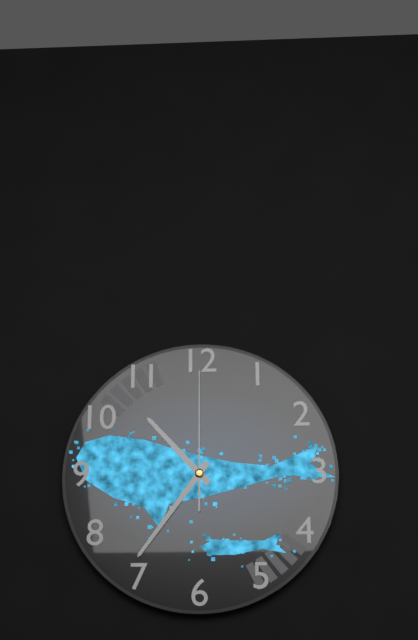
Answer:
{"hour": 10, "minute": 36, "second": 0}
